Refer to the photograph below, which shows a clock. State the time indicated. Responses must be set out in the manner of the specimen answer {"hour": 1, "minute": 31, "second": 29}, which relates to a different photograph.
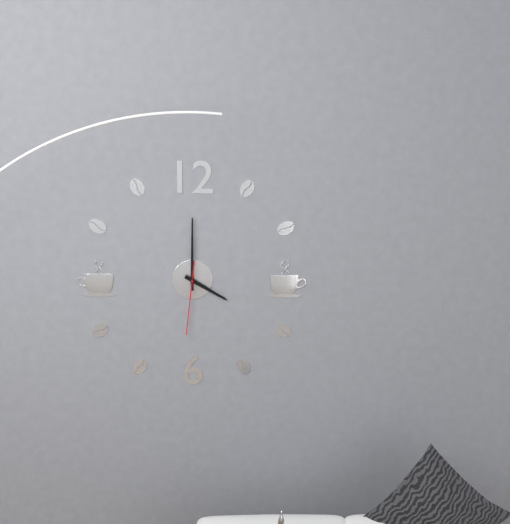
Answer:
{"hour": 4, "minute": 0, "second": 31}
